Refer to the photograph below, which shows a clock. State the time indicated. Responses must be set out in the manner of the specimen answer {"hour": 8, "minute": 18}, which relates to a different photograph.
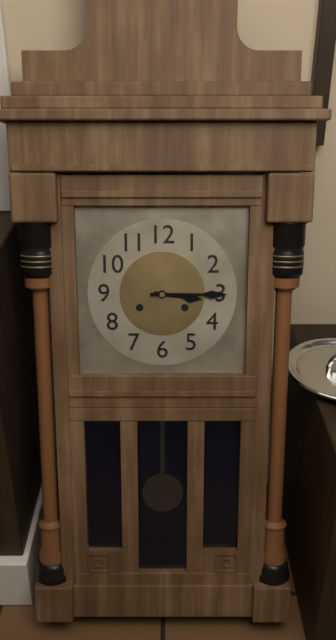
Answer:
{"hour": 3, "minute": 15}
